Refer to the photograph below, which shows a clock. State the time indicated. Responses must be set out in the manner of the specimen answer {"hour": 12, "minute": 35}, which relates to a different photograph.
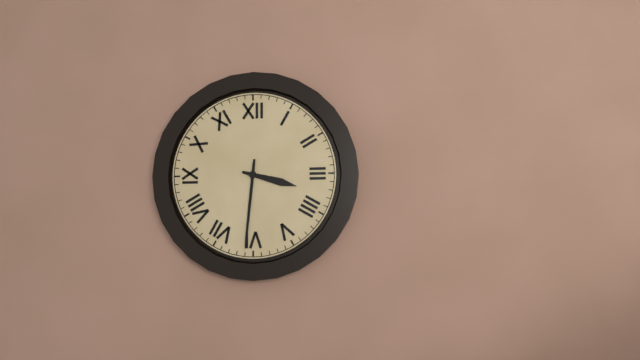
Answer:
{"hour": 3, "minute": 31}
